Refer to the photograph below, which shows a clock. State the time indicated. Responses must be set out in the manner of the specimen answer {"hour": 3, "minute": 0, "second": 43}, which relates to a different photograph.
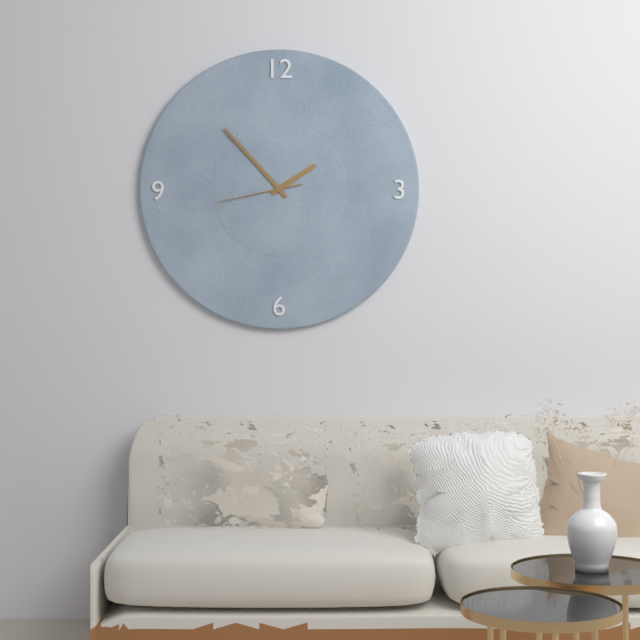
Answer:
{"hour": 1, "minute": 53, "second": 43}
